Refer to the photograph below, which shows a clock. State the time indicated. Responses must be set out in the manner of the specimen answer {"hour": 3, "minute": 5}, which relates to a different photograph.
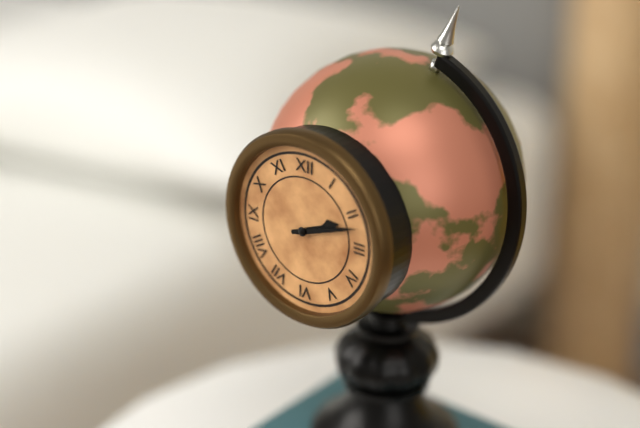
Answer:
{"hour": 2, "minute": 12}
